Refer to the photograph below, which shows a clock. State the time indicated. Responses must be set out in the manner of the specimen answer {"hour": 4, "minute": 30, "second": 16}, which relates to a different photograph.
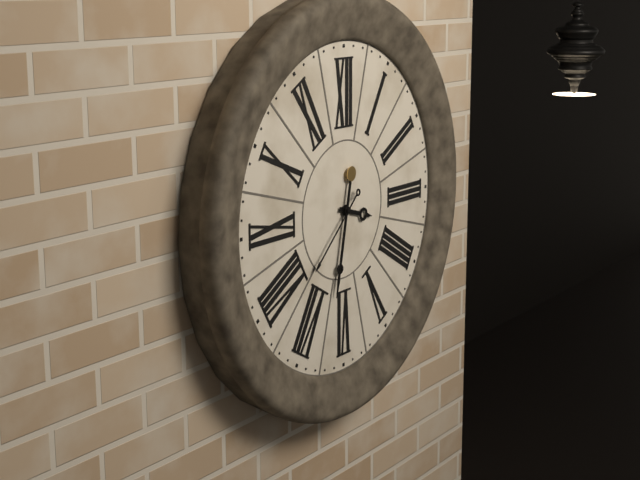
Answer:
{"hour": 3, "minute": 32, "second": 38}
